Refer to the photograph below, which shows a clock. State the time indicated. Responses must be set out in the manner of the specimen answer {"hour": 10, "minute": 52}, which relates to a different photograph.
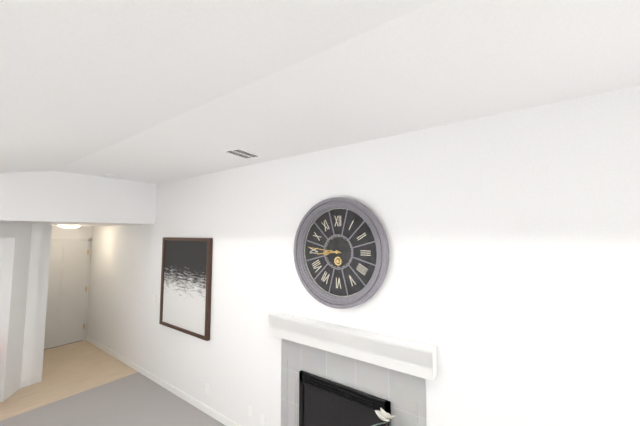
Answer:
{"hour": 8, "minute": 46}
